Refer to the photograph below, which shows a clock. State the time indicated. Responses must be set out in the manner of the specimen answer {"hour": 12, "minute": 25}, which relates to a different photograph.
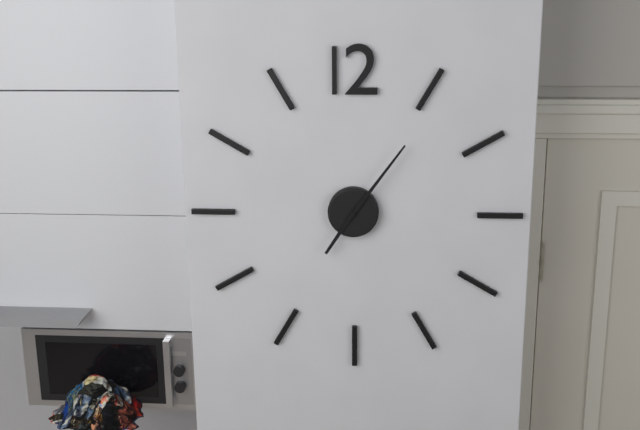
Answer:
{"hour": 7, "minute": 6}
